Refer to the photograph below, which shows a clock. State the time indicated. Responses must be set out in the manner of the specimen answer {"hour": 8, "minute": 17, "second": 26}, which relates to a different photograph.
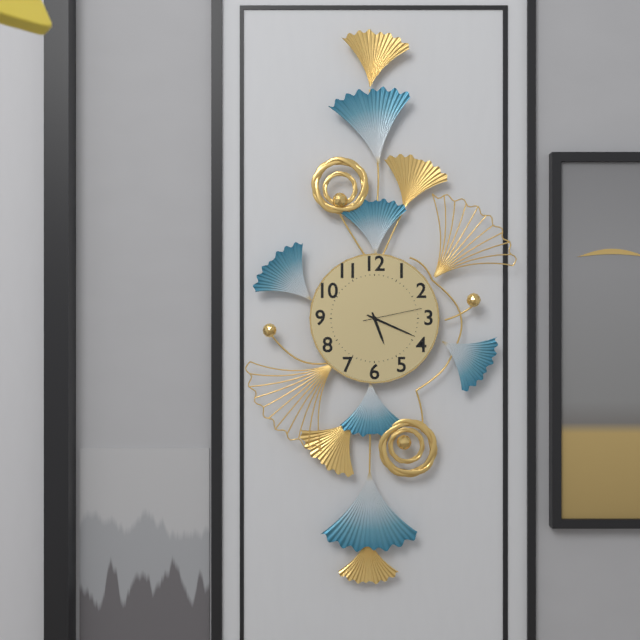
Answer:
{"hour": 5, "minute": 19, "second": 13}
